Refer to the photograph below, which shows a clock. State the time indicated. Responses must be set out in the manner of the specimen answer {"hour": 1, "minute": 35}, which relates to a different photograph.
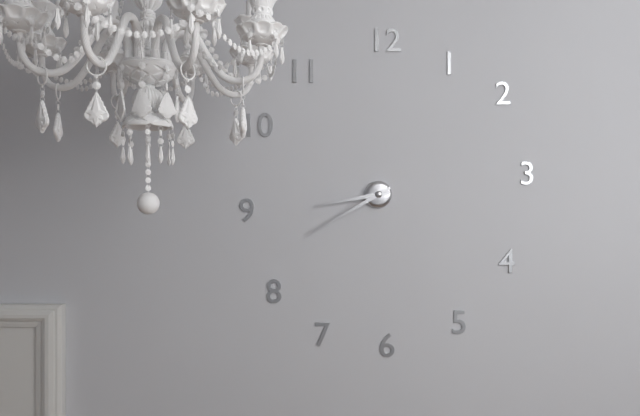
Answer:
{"hour": 8, "minute": 40}
